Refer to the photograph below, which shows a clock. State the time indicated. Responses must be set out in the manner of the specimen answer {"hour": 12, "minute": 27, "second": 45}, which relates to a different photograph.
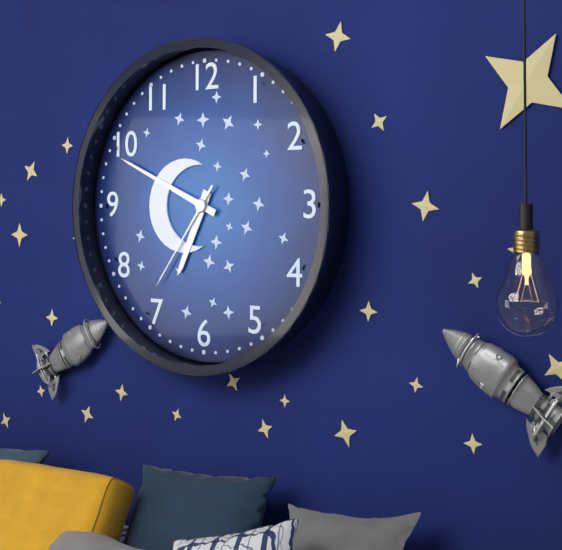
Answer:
{"hour": 6, "minute": 49, "second": 36}
